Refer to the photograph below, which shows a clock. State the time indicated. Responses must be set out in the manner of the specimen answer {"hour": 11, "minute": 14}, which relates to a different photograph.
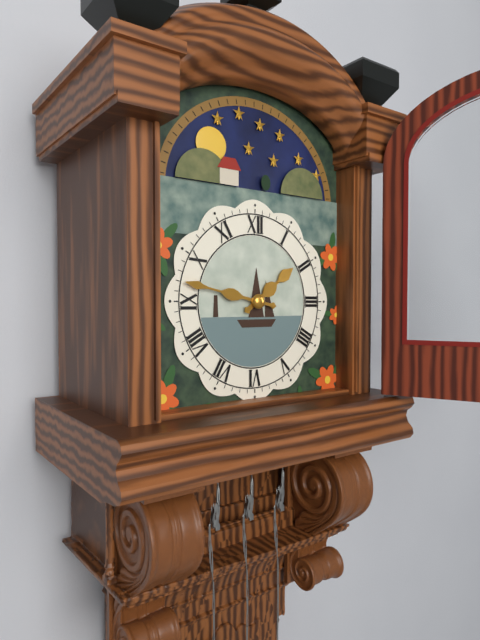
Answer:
{"hour": 1, "minute": 47}
